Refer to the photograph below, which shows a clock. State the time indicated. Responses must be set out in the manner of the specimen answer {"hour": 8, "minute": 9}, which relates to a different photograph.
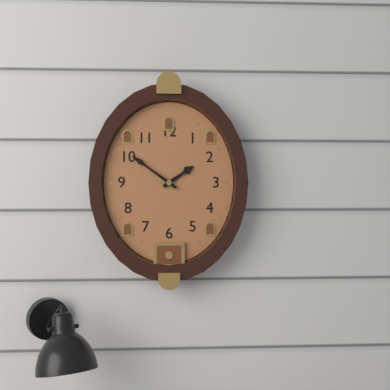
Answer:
{"hour": 1, "minute": 51}
